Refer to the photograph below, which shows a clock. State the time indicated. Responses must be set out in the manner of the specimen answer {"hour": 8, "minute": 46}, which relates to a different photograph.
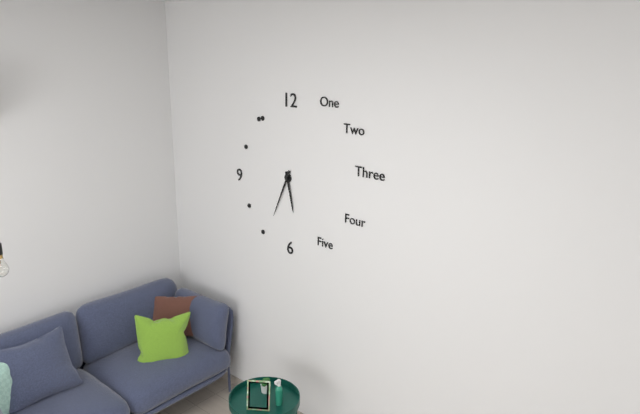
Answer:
{"hour": 5, "minute": 34}
